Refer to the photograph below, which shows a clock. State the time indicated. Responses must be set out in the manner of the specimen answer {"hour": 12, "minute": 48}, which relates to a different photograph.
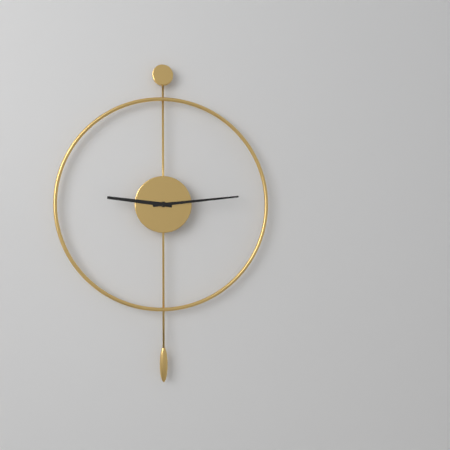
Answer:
{"hour": 9, "minute": 14}
